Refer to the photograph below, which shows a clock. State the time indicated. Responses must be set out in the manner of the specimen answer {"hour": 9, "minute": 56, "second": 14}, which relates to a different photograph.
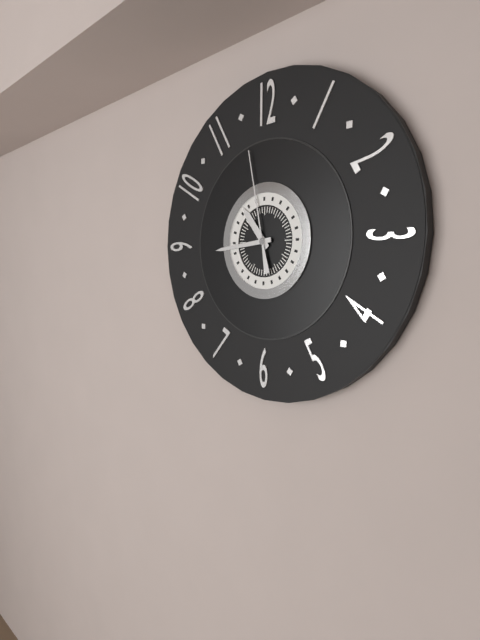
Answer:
{"hour": 10, "minute": 44, "second": 58}
